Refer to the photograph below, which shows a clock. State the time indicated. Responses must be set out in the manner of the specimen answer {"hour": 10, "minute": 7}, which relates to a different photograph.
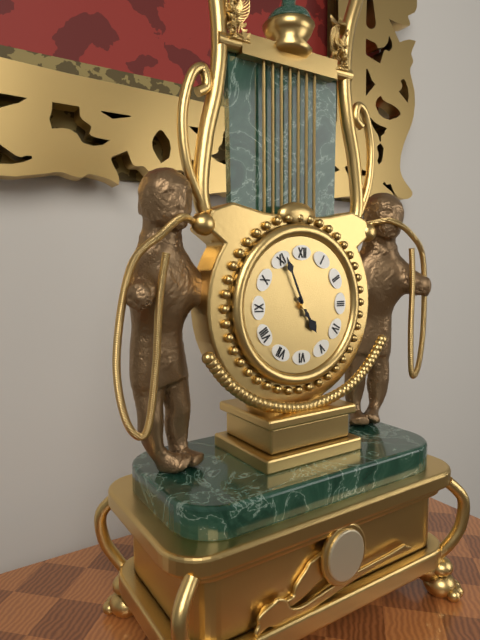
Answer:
{"hour": 4, "minute": 56}
